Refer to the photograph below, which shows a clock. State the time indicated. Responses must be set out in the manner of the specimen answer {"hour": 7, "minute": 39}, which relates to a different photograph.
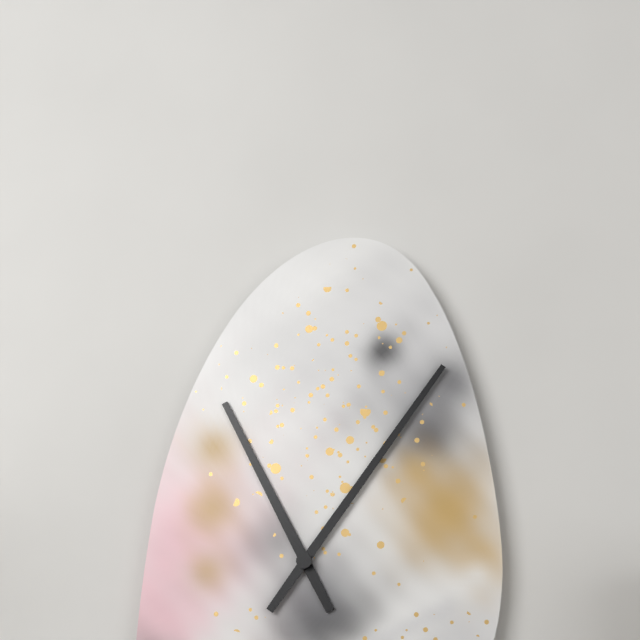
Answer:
{"hour": 11, "minute": 6}
